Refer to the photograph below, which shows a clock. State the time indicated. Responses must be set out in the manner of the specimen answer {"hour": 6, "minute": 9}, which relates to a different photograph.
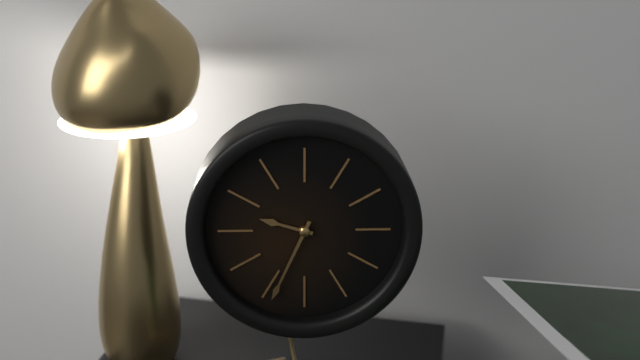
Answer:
{"hour": 9, "minute": 34}
